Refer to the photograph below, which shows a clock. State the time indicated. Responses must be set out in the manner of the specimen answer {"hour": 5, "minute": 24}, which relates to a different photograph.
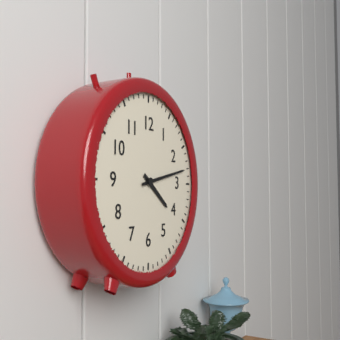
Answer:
{"hour": 4, "minute": 13}
